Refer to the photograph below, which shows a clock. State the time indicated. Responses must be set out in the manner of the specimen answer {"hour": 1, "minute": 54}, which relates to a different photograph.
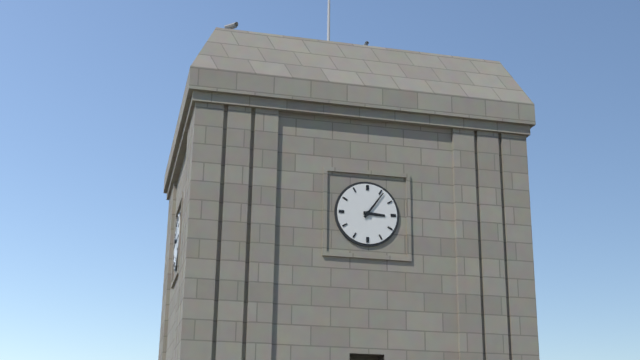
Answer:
{"hour": 3, "minute": 6}
